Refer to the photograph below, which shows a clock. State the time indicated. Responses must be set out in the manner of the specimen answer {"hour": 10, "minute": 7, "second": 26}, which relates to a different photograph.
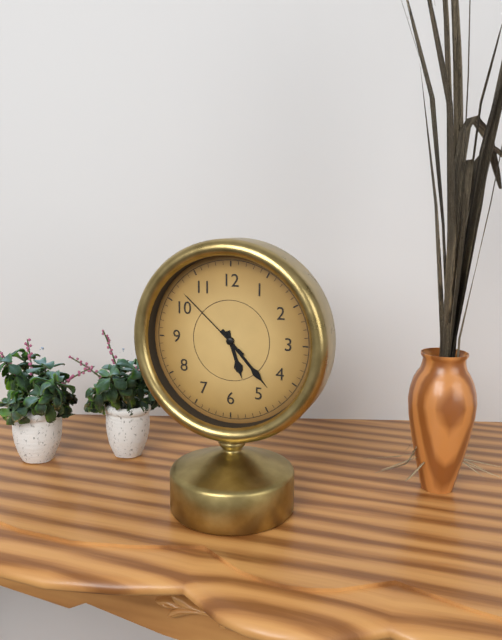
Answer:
{"hour": 5, "minute": 23, "second": 52}
